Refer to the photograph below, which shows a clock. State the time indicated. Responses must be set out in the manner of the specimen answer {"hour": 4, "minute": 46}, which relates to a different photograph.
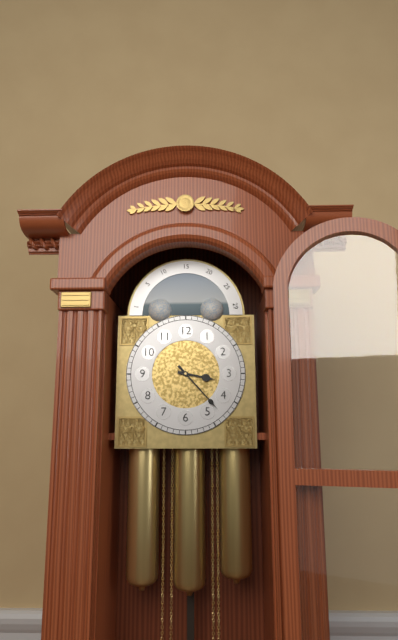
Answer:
{"hour": 3, "minute": 23}
